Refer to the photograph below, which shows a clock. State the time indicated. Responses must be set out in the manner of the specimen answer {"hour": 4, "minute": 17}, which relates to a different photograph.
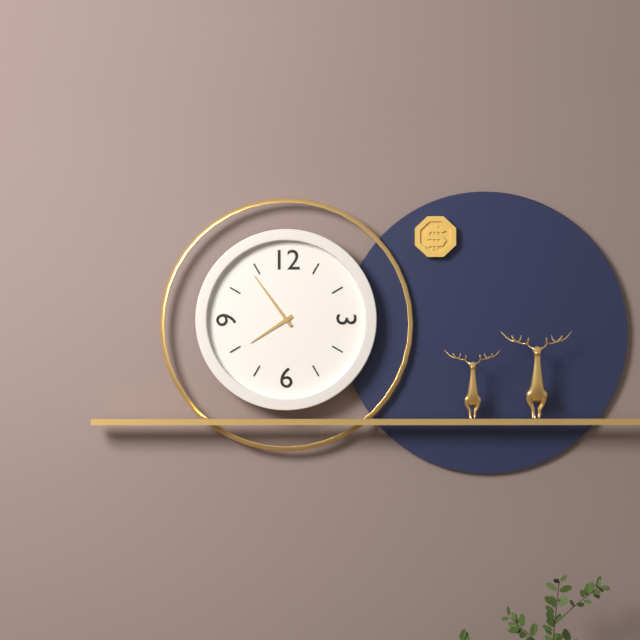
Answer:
{"hour": 7, "minute": 54}
